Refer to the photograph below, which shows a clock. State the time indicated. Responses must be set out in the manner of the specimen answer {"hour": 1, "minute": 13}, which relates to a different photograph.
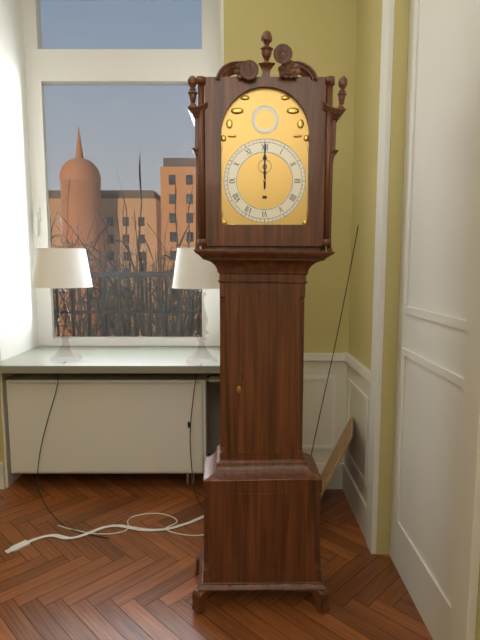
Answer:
{"hour": 12, "minute": 0}
